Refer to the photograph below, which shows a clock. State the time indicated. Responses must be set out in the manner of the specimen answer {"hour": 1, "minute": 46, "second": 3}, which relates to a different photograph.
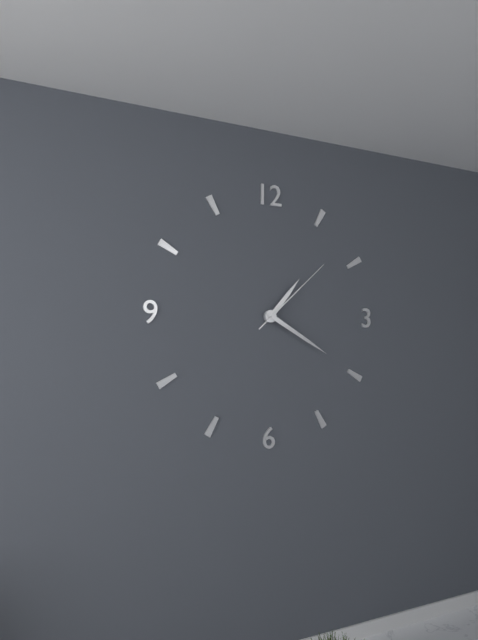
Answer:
{"hour": 1, "minute": 20, "second": 8}
